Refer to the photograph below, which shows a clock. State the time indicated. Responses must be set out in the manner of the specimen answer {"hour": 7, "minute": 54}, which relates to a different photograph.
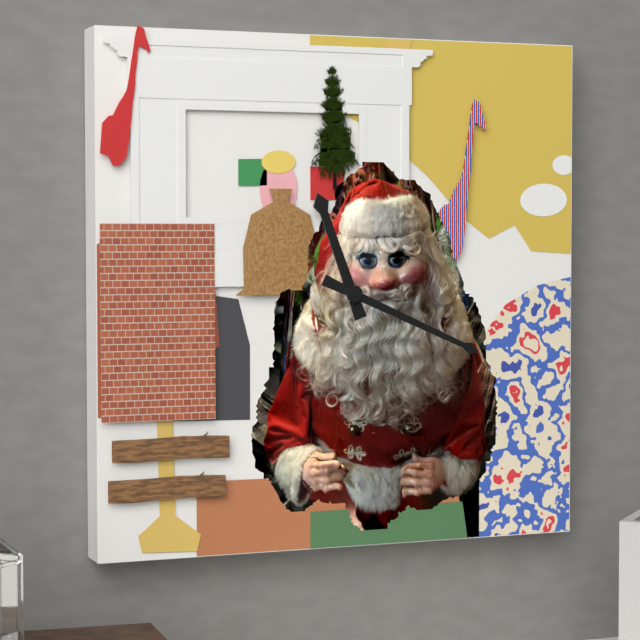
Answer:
{"hour": 11, "minute": 19}
